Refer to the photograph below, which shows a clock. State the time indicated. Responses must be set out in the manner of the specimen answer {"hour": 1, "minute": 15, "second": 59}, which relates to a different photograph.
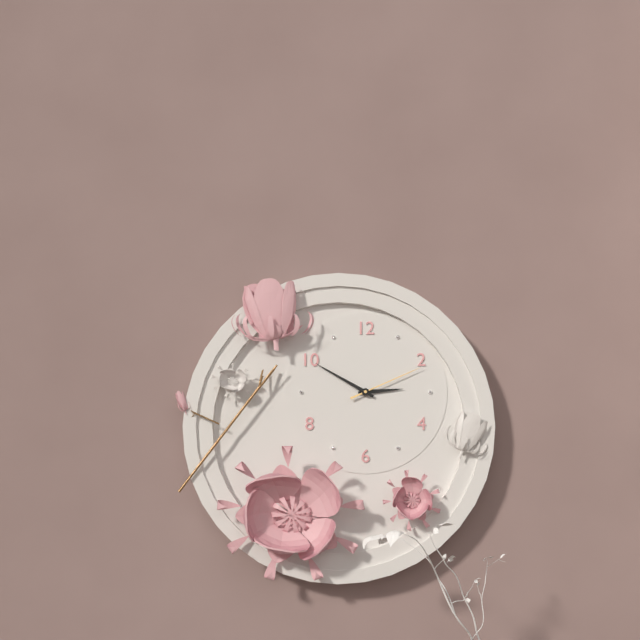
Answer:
{"hour": 2, "minute": 50, "second": 11}
